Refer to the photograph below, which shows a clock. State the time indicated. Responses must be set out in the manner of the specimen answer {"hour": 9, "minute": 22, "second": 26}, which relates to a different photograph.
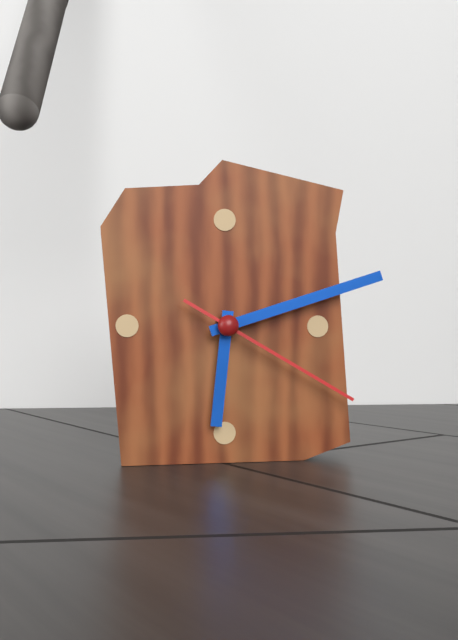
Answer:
{"hour": 6, "minute": 12, "second": 20}
